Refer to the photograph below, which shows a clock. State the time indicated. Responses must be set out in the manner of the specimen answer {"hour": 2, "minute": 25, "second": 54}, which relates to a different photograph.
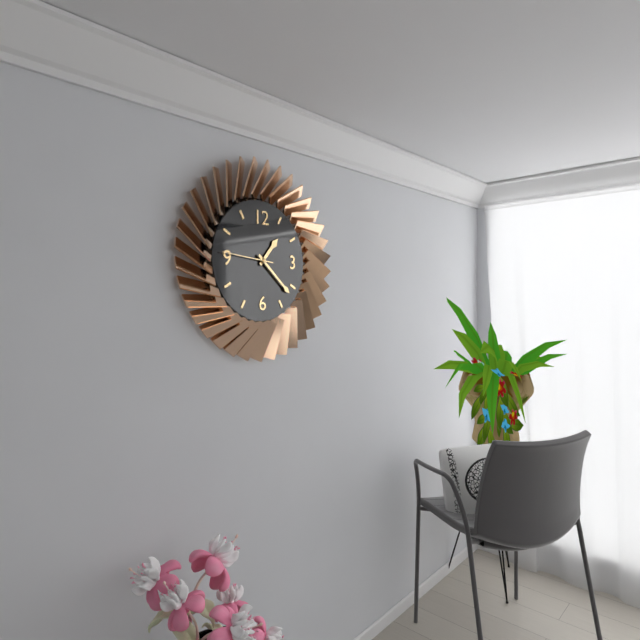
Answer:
{"hour": 1, "minute": 22, "second": 46}
